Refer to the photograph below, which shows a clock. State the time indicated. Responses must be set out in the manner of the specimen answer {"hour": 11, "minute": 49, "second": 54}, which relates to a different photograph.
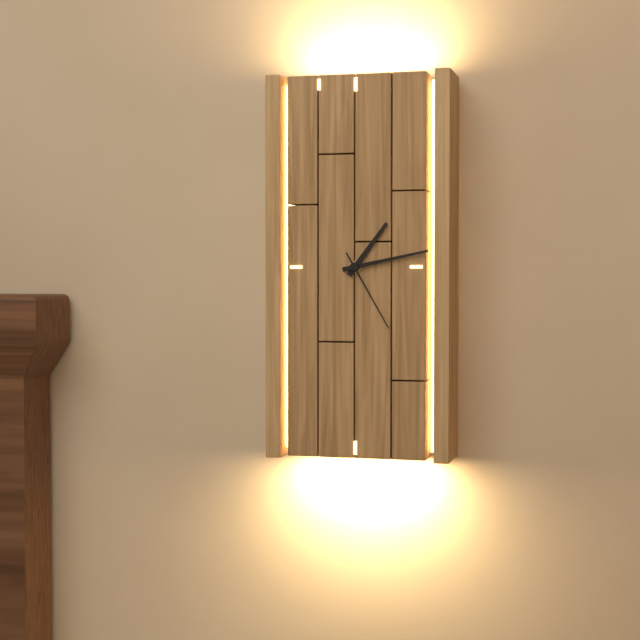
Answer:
{"hour": 1, "minute": 13, "second": 25}
